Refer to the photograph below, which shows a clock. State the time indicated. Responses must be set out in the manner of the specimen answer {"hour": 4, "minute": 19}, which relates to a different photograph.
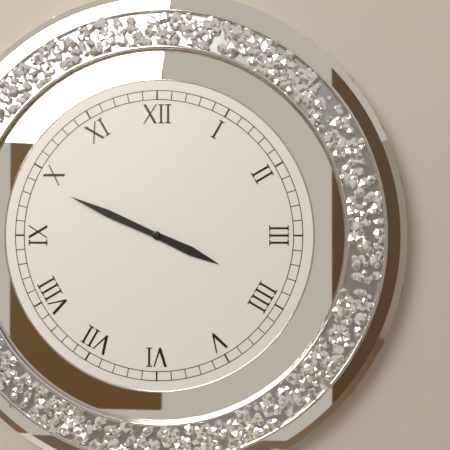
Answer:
{"hour": 3, "minute": 49}
